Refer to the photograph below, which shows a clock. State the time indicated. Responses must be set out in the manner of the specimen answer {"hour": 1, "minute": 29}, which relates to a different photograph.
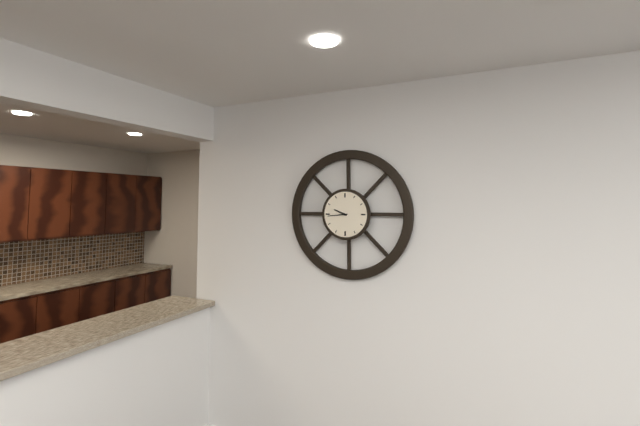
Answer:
{"hour": 9, "minute": 44}
